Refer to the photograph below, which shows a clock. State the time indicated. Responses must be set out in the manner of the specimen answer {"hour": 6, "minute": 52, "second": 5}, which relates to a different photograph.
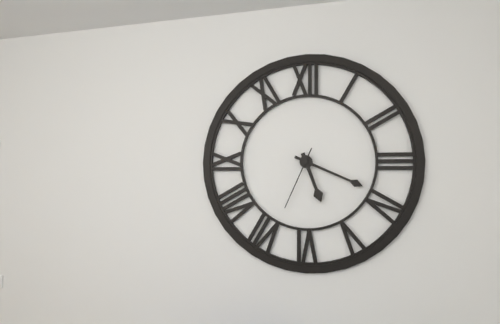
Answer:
{"hour": 5, "minute": 19, "second": 34}
